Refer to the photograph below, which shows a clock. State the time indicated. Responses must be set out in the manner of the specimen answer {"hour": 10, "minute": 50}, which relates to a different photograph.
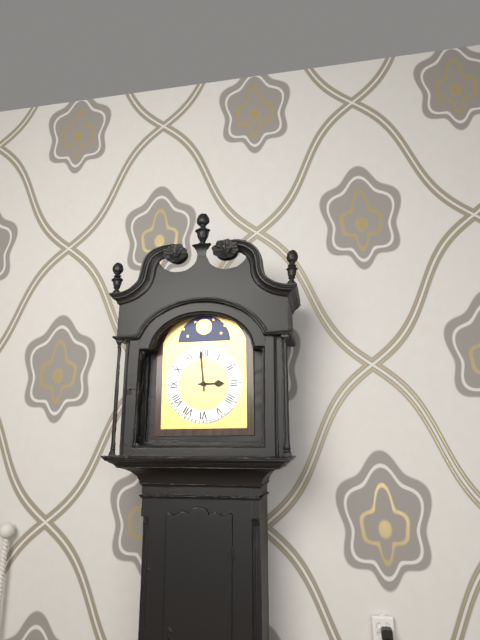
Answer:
{"hour": 2, "minute": 59}
